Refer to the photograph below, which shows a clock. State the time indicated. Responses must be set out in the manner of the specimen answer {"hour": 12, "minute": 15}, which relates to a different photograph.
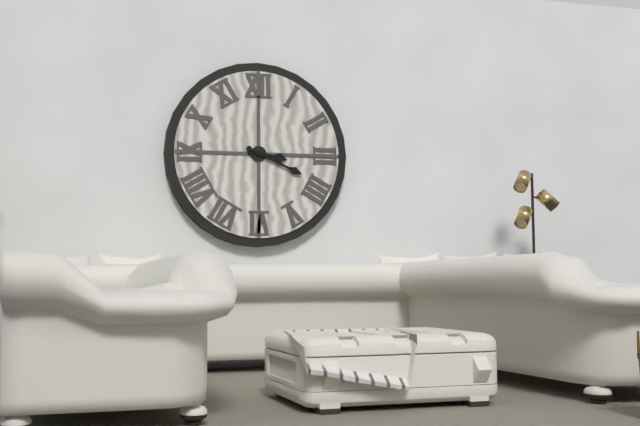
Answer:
{"hour": 3, "minute": 19}
